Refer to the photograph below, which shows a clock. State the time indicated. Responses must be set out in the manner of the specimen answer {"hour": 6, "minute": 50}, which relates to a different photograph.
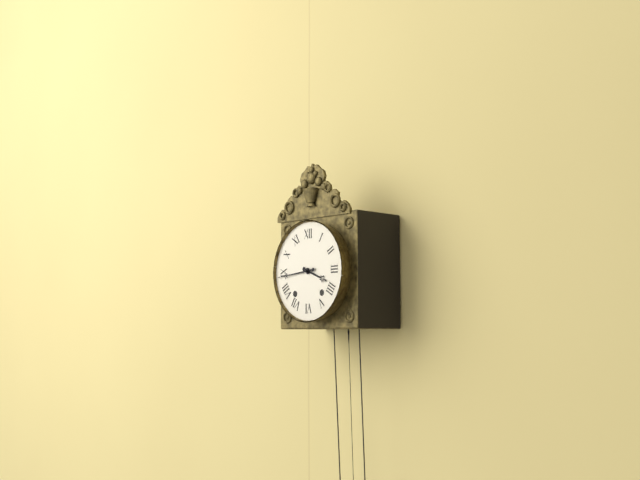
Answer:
{"hour": 3, "minute": 44}
